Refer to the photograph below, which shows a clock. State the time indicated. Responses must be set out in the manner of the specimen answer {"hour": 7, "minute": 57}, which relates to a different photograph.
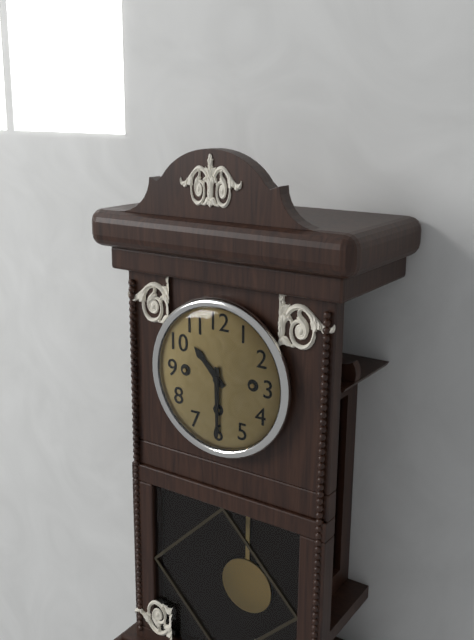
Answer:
{"hour": 10, "minute": 30}
